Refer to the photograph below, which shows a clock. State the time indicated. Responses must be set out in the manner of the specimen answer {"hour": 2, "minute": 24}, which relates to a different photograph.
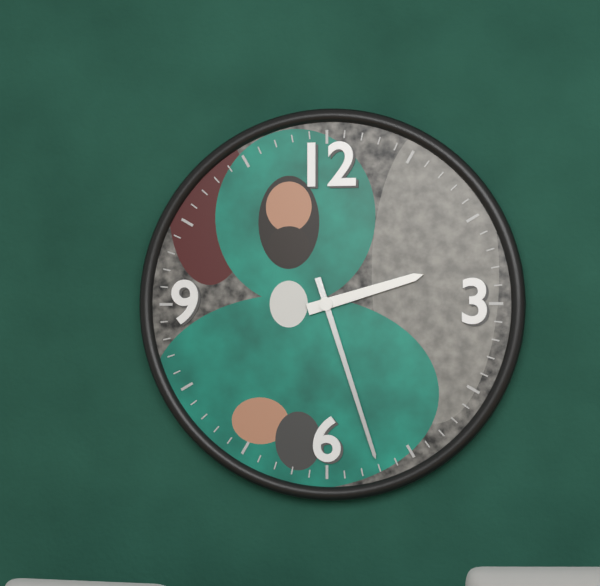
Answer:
{"hour": 2, "minute": 27}
